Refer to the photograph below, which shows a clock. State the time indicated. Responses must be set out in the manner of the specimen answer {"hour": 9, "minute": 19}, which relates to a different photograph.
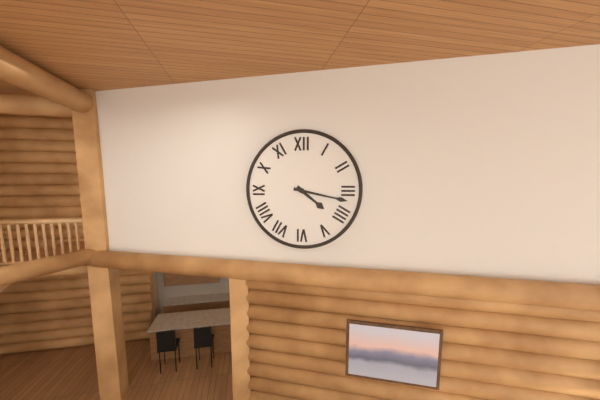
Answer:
{"hour": 4, "minute": 17}
